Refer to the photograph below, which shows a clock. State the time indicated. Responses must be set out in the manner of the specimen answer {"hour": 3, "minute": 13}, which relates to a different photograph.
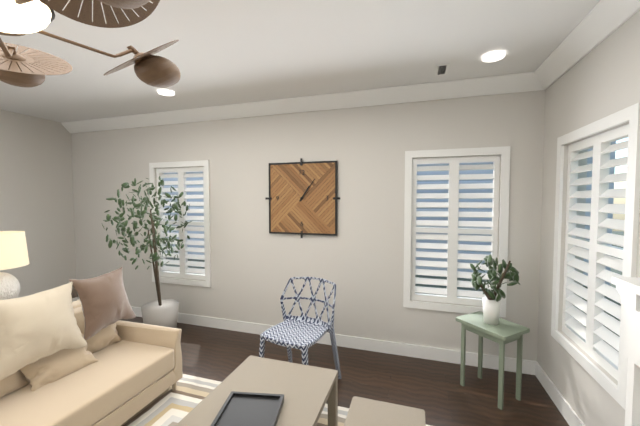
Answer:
{"hour": 1, "minute": 6}
